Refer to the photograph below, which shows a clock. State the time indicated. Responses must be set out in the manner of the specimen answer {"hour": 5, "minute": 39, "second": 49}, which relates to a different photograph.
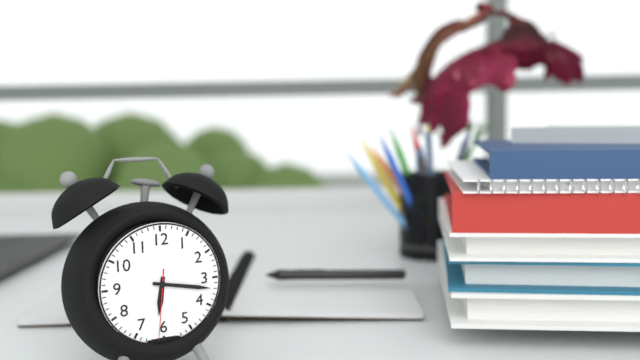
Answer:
{"hour": 6, "minute": 17, "second": 31}
